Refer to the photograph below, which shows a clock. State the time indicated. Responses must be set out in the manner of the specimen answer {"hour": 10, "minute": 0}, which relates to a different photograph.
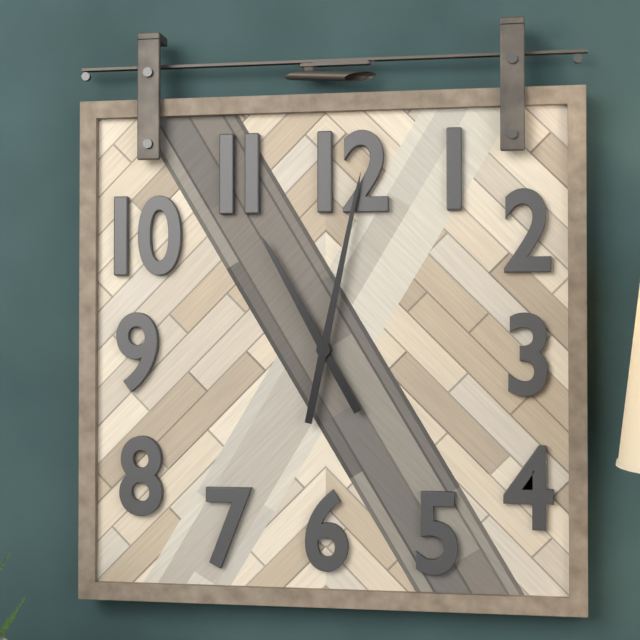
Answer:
{"hour": 11, "minute": 2}
